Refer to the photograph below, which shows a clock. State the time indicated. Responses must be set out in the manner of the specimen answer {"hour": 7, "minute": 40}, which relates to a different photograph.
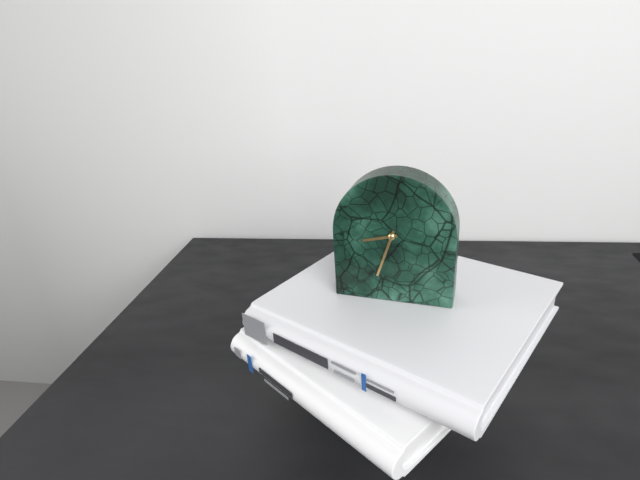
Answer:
{"hour": 8, "minute": 33}
